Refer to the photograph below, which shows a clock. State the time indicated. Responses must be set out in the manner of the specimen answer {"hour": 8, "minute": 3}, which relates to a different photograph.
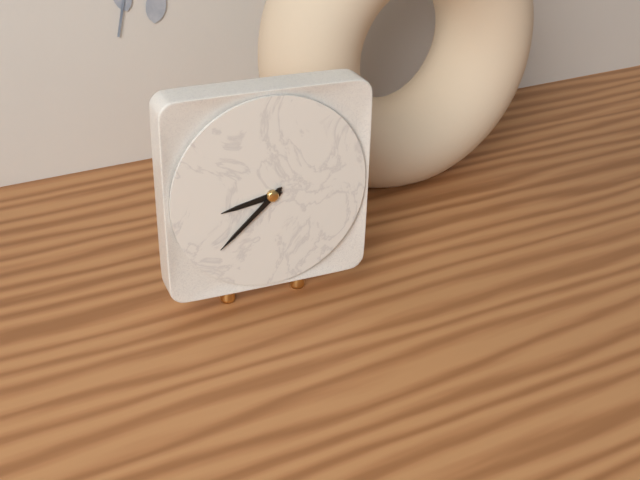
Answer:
{"hour": 8, "minute": 38}
